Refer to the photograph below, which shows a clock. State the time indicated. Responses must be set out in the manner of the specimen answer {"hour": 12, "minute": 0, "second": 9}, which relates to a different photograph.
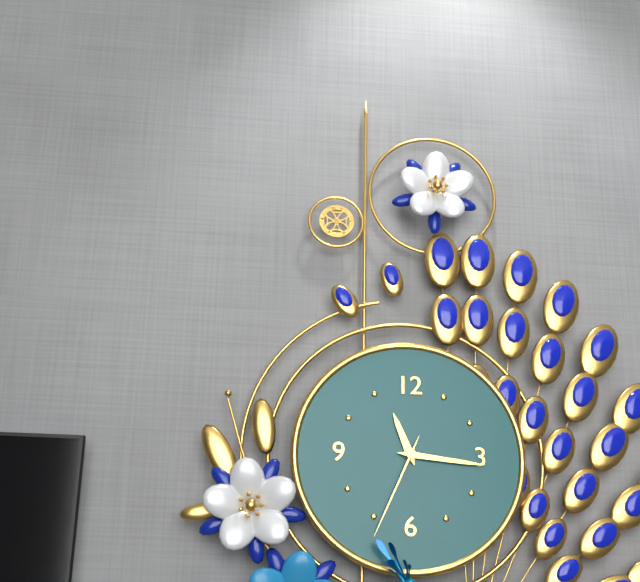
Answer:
{"hour": 11, "minute": 16, "second": 34}
